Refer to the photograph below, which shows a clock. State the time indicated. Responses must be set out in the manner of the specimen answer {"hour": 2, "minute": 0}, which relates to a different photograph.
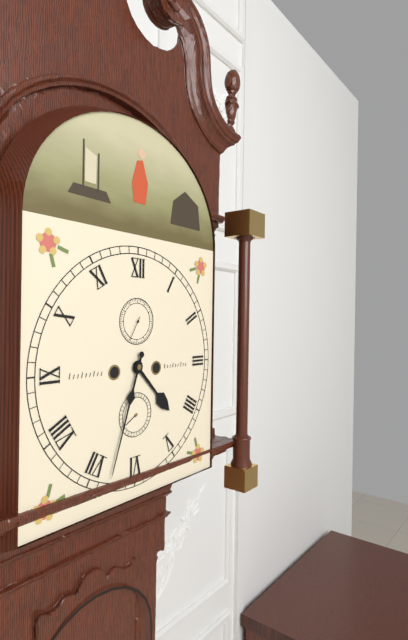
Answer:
{"hour": 4, "minute": 33}
